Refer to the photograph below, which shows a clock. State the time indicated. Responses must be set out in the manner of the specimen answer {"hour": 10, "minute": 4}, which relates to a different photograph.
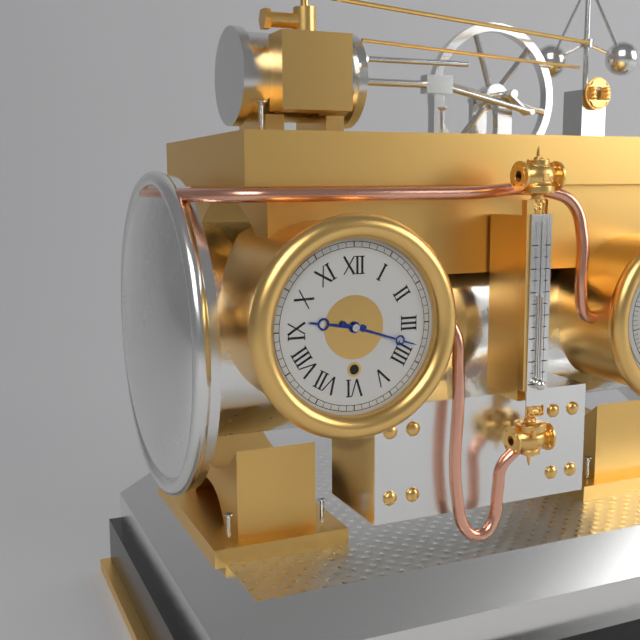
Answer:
{"hour": 9, "minute": 18}
